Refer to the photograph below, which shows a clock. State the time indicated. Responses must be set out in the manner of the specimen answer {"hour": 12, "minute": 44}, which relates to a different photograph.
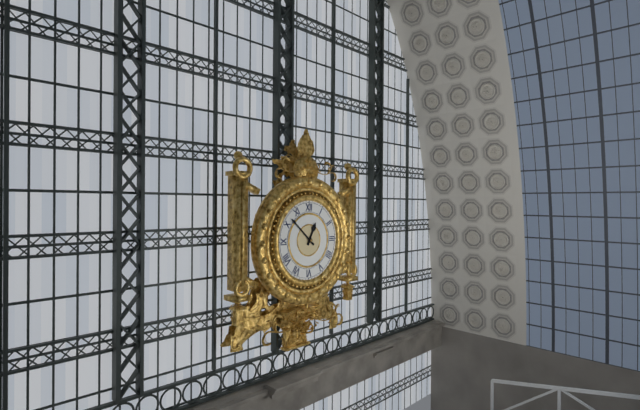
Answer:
{"hour": 12, "minute": 52}
